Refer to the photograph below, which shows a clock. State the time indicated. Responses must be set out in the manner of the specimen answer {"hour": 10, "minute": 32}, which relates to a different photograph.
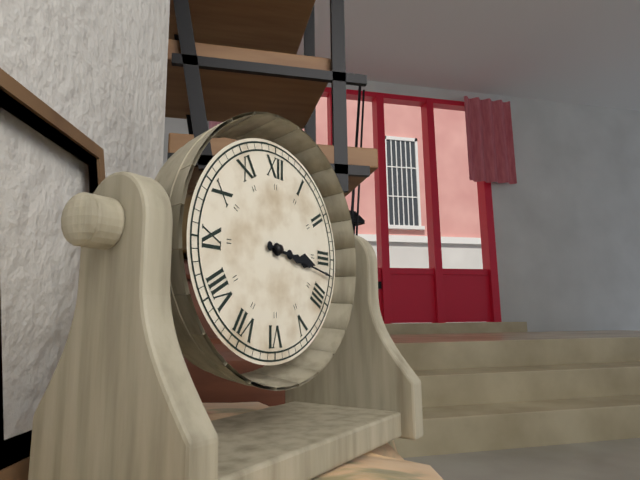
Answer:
{"hour": 3, "minute": 17}
